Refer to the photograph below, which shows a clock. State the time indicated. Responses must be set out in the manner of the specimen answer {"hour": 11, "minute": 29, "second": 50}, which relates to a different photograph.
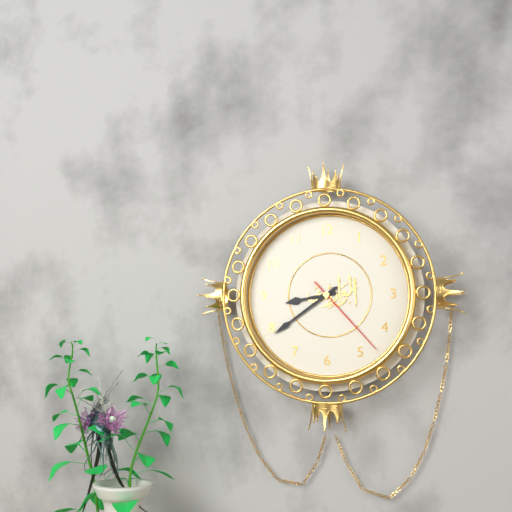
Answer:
{"hour": 8, "minute": 39, "second": 23}
